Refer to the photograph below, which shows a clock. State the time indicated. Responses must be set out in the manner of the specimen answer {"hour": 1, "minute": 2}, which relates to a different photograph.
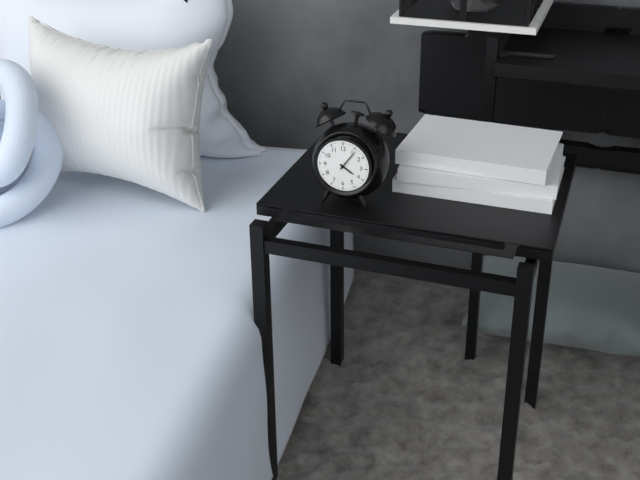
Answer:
{"hour": 4, "minute": 6}
